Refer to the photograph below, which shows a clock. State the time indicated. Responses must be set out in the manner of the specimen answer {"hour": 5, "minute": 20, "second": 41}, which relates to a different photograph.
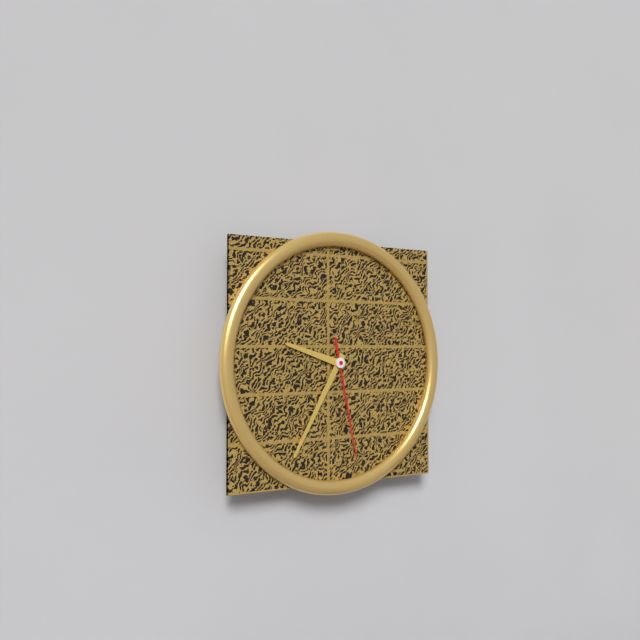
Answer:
{"hour": 9, "minute": 35, "second": 28}
